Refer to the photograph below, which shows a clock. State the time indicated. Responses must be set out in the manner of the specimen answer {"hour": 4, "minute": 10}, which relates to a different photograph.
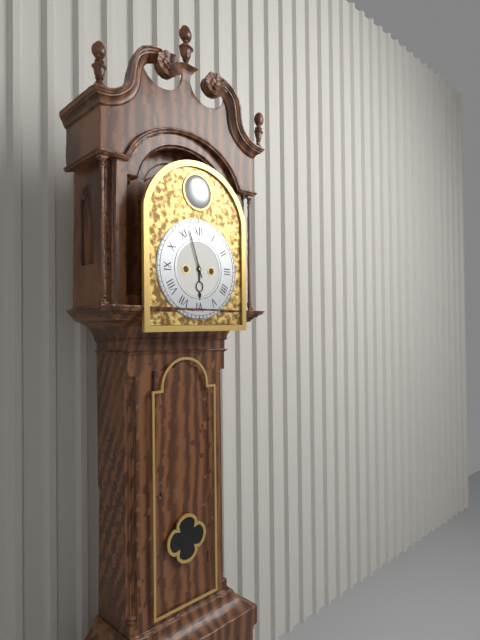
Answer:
{"hour": 5, "minute": 57}
